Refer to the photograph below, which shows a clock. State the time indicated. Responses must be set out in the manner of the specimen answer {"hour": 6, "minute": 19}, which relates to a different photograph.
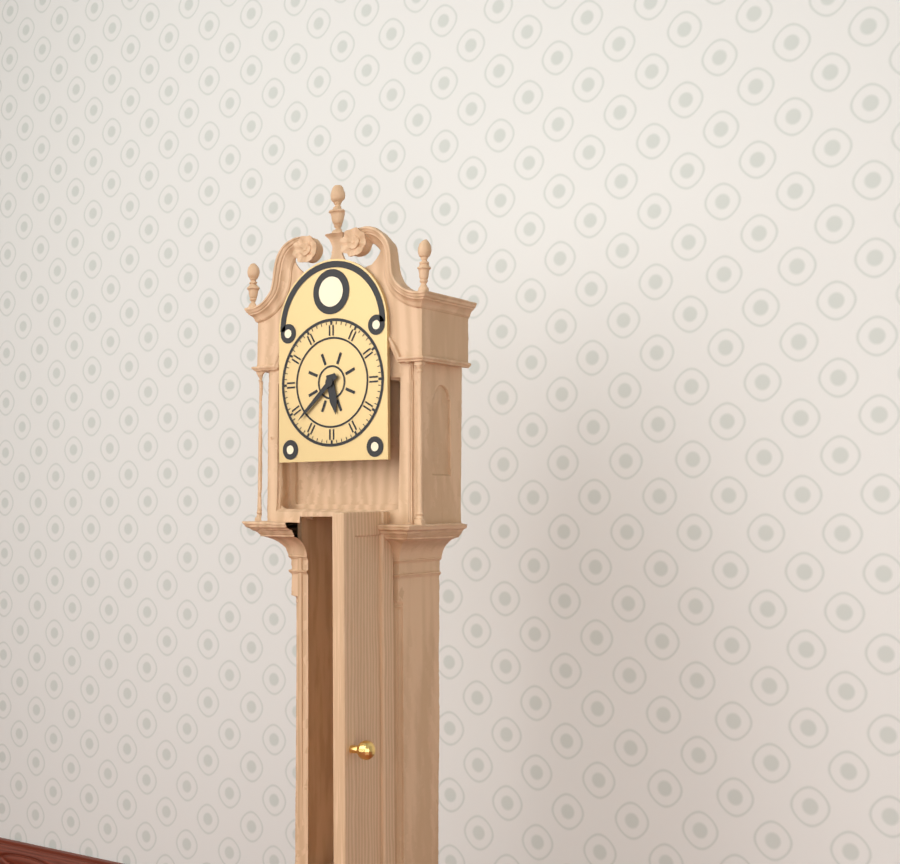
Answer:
{"hour": 5, "minute": 38}
